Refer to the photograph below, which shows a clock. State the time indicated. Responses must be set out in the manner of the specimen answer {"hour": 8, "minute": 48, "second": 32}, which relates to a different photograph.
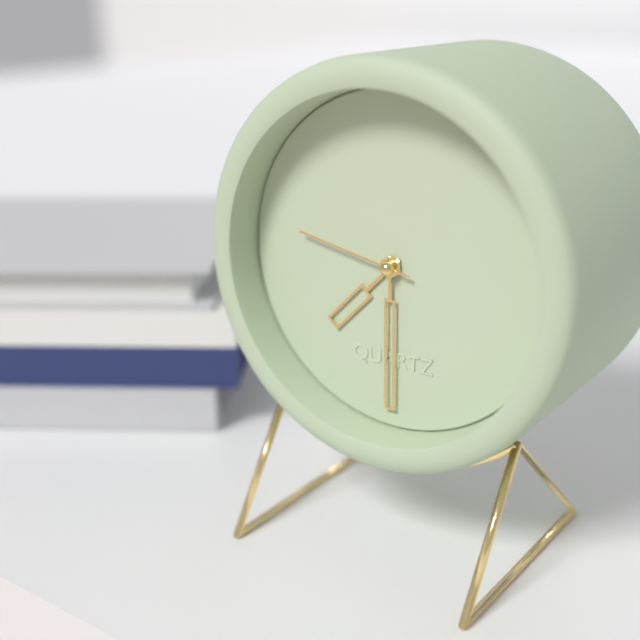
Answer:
{"hour": 7, "minute": 30, "second": 47}
